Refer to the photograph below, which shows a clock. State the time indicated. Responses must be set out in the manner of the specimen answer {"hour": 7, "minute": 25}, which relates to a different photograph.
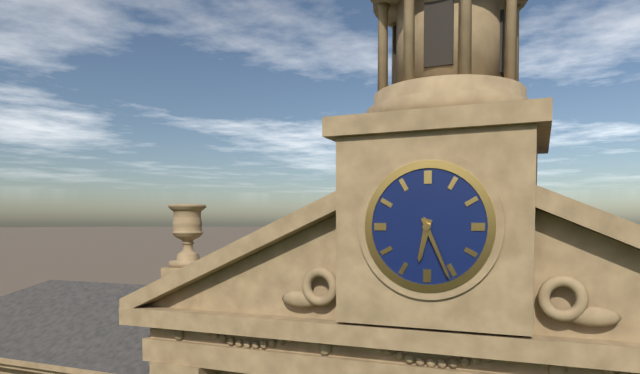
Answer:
{"hour": 6, "minute": 26}
